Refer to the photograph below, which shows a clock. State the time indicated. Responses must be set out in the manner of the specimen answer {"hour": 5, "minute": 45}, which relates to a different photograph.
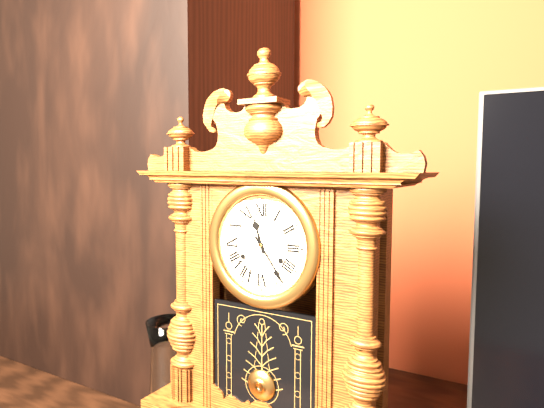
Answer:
{"hour": 11, "minute": 24}
